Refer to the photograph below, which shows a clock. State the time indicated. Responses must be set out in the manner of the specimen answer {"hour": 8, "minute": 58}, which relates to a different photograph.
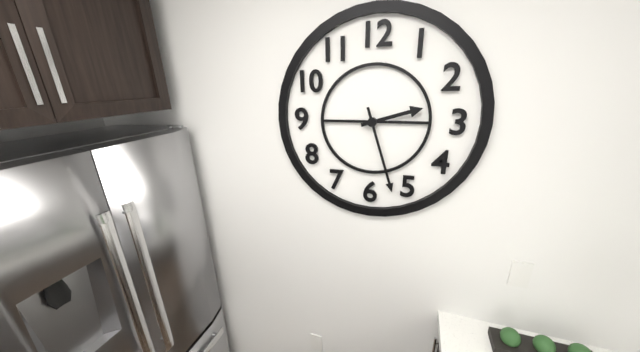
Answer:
{"hour": 2, "minute": 27}
